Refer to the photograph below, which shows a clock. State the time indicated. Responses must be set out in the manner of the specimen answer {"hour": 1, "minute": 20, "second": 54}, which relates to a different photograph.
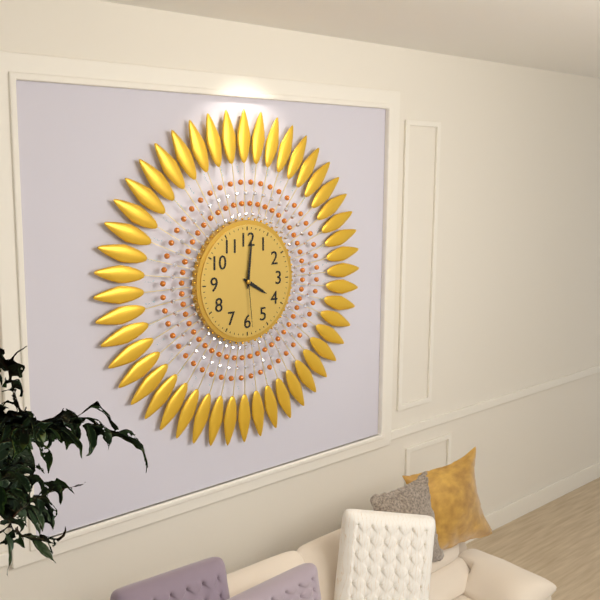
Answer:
{"hour": 4, "minute": 1, "second": 29}
